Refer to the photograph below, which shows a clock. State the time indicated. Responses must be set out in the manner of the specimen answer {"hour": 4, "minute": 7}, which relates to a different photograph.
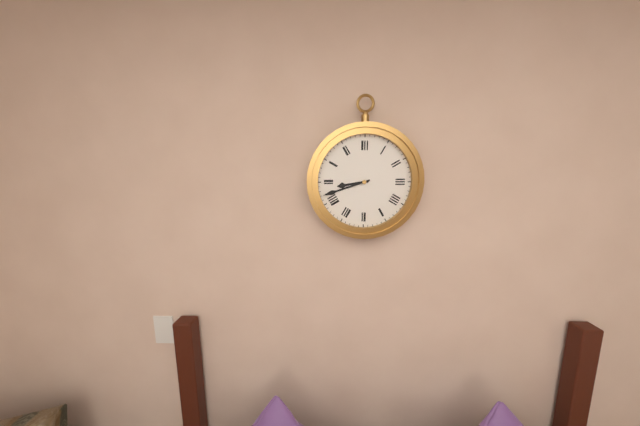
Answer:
{"hour": 8, "minute": 42}
